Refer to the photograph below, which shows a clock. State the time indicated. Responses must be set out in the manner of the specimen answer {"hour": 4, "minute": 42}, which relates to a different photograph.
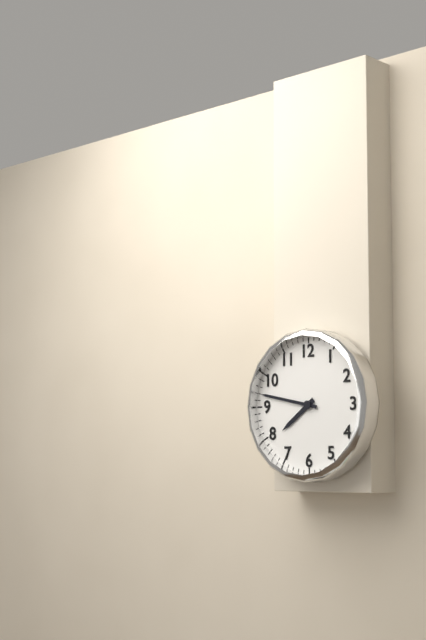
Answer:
{"hour": 7, "minute": 47}
